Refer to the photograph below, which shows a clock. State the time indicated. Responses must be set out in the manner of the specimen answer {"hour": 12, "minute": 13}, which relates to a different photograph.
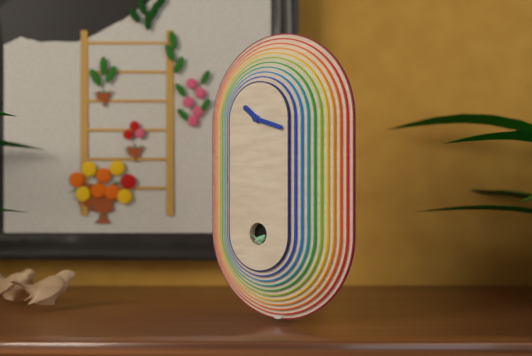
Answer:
{"hour": 10, "minute": 18}
